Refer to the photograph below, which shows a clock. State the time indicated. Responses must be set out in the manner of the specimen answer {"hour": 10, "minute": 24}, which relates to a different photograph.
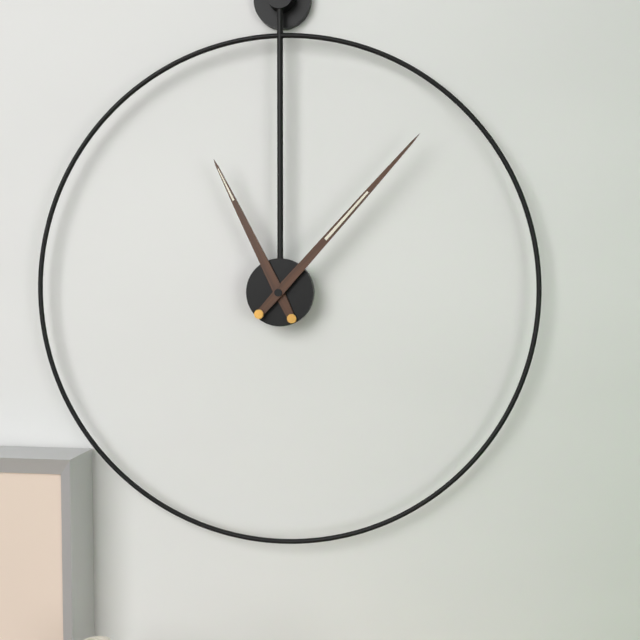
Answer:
{"hour": 11, "minute": 7}
